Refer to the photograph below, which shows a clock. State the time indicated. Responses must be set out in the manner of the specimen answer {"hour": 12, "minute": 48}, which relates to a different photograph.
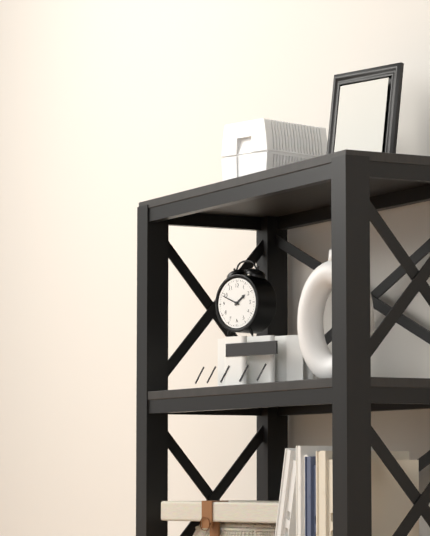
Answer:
{"hour": 1, "minute": 49}
